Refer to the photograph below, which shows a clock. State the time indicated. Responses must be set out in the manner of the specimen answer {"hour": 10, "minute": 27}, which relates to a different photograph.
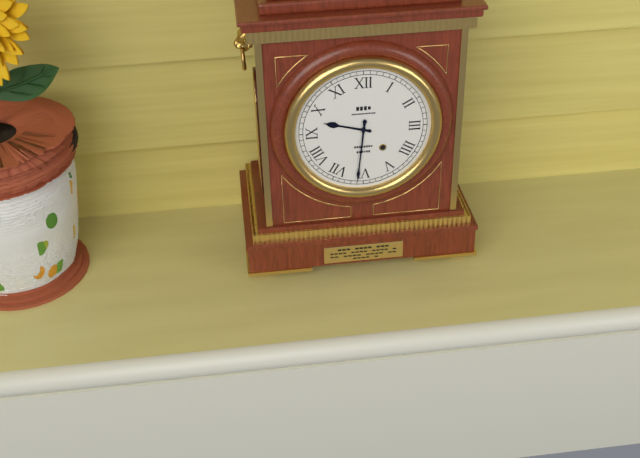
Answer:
{"hour": 9, "minute": 31}
